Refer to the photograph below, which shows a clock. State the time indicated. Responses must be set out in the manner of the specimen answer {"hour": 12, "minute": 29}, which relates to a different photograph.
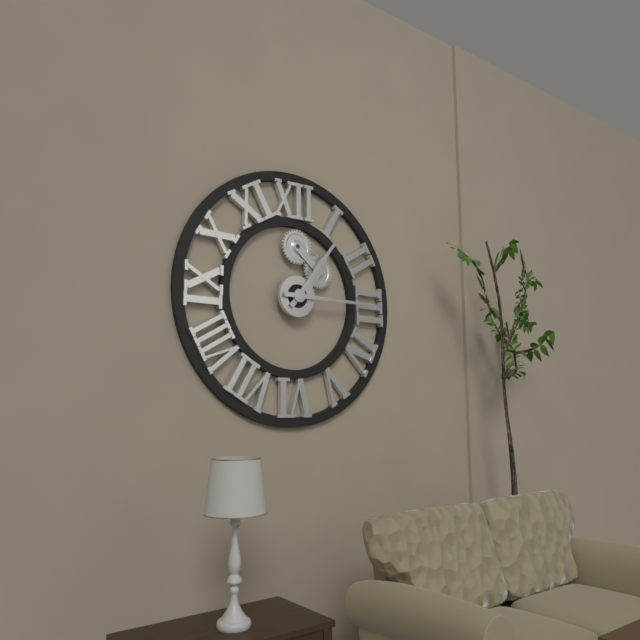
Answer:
{"hour": 1, "minute": 15}
